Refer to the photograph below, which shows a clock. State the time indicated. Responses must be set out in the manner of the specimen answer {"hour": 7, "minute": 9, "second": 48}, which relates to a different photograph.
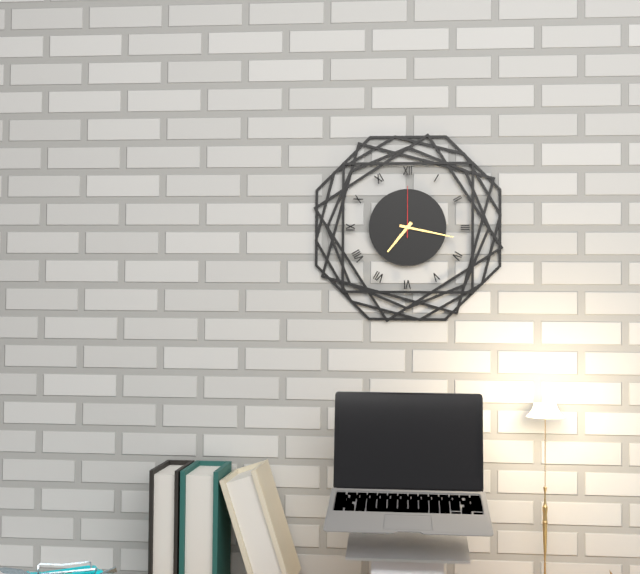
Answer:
{"hour": 7, "minute": 17, "second": 0}
